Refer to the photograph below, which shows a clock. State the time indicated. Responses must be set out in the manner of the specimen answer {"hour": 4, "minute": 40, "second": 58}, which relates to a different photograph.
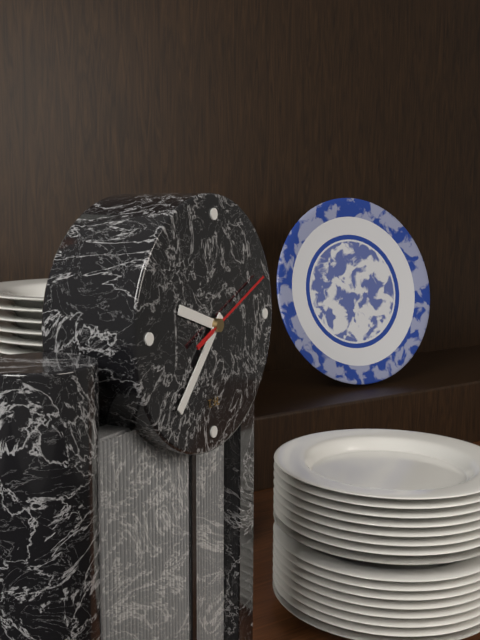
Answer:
{"hour": 9, "minute": 37, "second": 11}
